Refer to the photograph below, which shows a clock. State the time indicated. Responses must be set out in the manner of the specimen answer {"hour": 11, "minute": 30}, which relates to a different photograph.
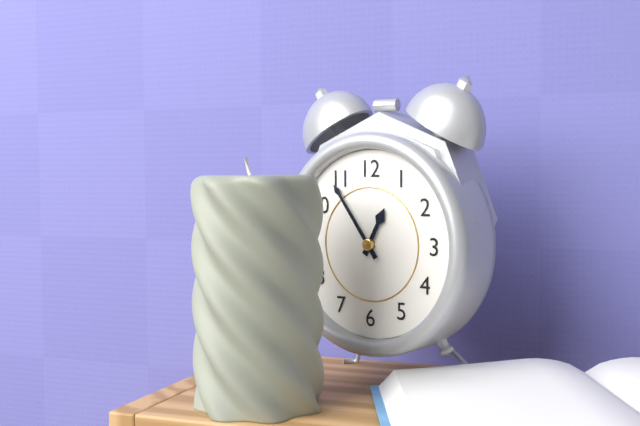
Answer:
{"hour": 12, "minute": 54}
